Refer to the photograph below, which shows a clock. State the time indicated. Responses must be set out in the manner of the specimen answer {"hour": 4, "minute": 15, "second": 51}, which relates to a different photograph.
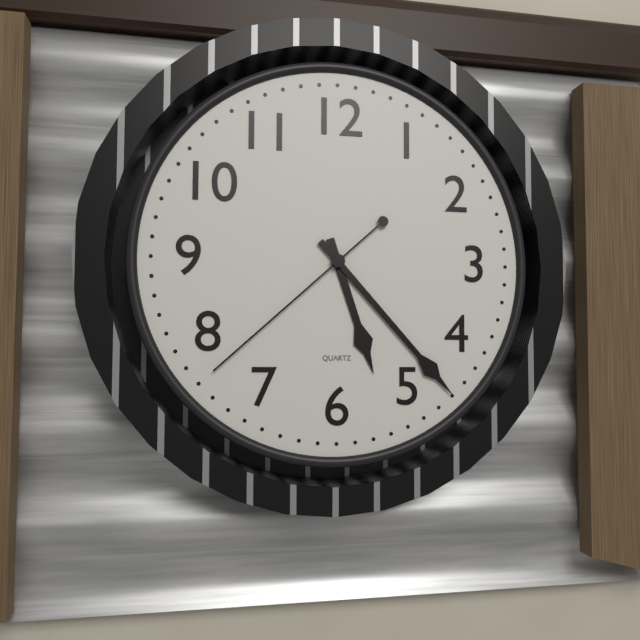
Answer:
{"hour": 5, "minute": 23, "second": 38}
